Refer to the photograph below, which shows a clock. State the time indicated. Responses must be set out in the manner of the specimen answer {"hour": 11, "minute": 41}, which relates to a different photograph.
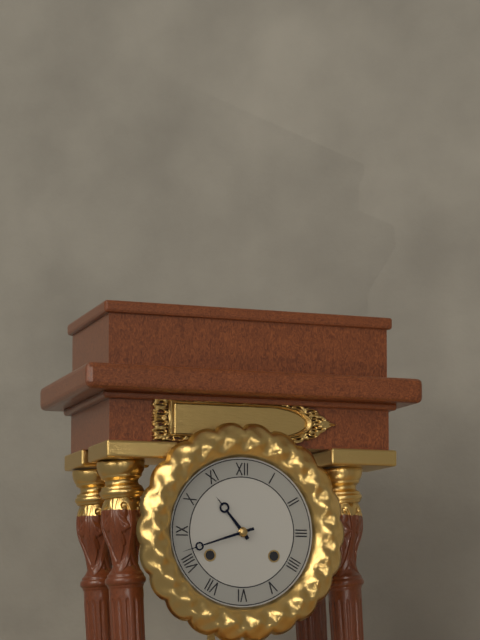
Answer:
{"hour": 10, "minute": 42}
